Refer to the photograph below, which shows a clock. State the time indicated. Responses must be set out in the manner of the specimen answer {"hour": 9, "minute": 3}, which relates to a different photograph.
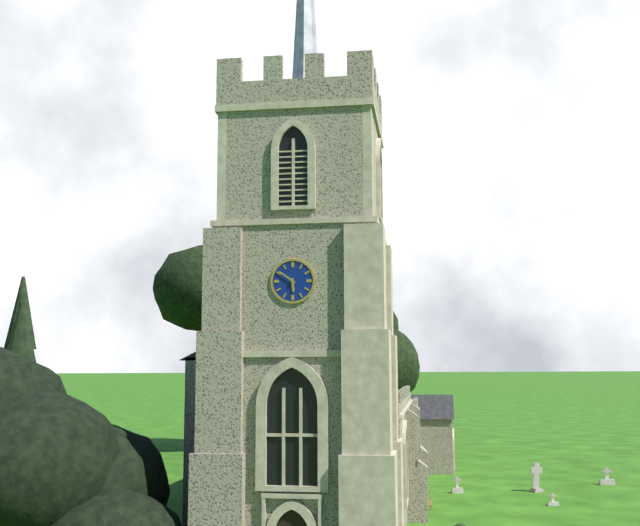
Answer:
{"hour": 5, "minute": 51}
